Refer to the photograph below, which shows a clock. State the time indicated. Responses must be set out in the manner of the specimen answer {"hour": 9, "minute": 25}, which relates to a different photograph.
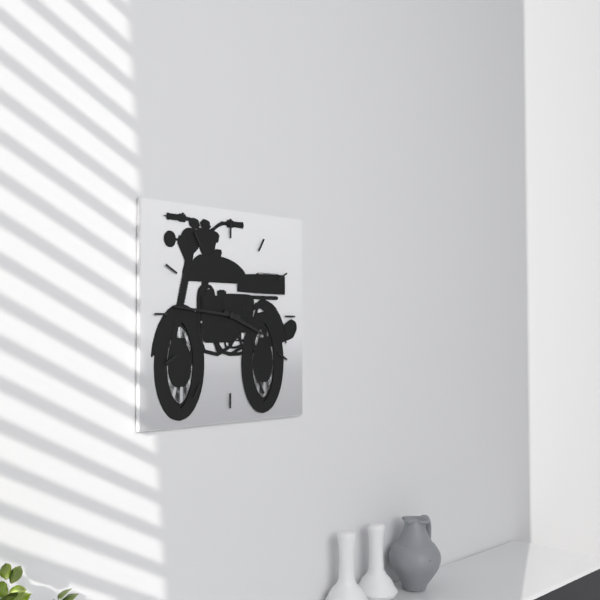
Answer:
{"hour": 3, "minute": 46}
